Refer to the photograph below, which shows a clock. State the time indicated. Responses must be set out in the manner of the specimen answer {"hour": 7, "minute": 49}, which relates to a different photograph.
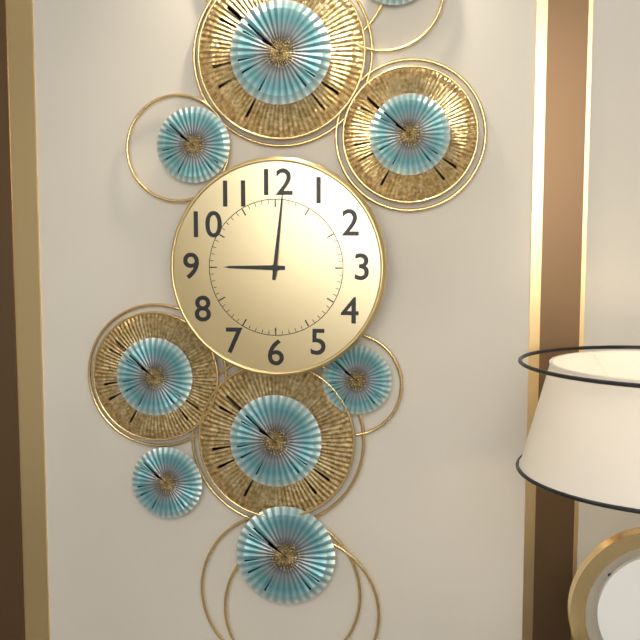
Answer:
{"hour": 9, "minute": 1}
